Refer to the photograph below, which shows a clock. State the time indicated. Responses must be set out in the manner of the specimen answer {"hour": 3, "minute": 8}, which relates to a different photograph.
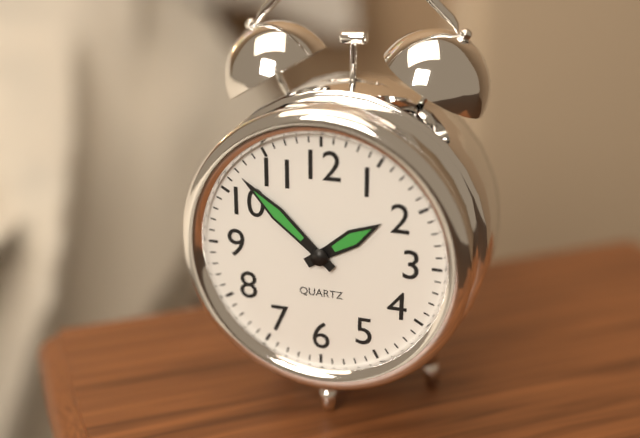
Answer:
{"hour": 1, "minute": 52}
